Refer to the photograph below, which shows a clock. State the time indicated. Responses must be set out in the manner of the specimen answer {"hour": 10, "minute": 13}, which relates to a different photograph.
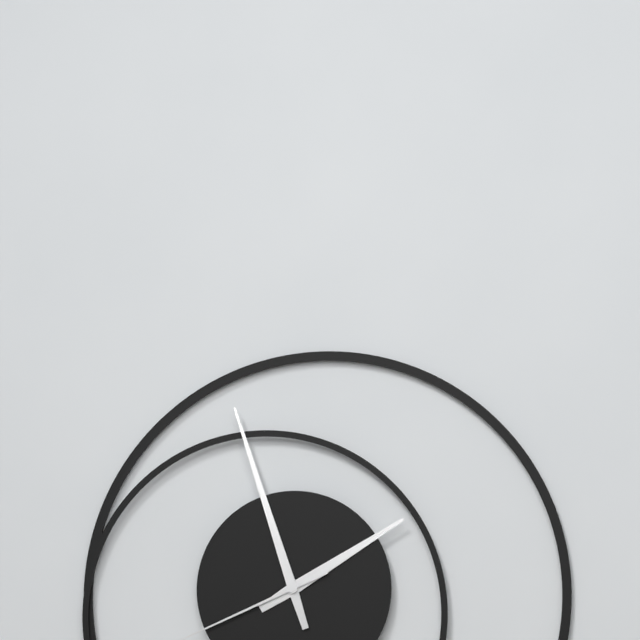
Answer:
{"hour": 1, "minute": 57}
